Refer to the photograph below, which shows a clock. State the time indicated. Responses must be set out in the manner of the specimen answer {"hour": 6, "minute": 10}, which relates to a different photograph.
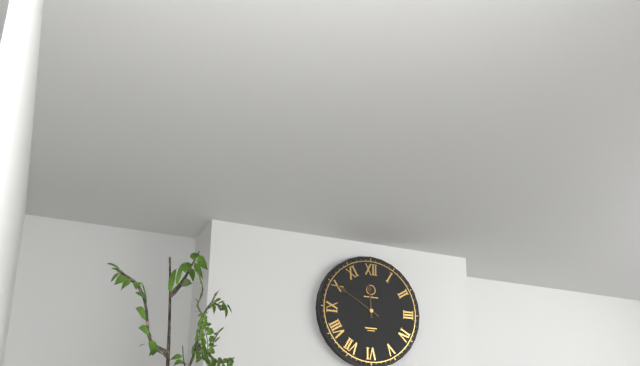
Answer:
{"hour": 11, "minute": 50}
